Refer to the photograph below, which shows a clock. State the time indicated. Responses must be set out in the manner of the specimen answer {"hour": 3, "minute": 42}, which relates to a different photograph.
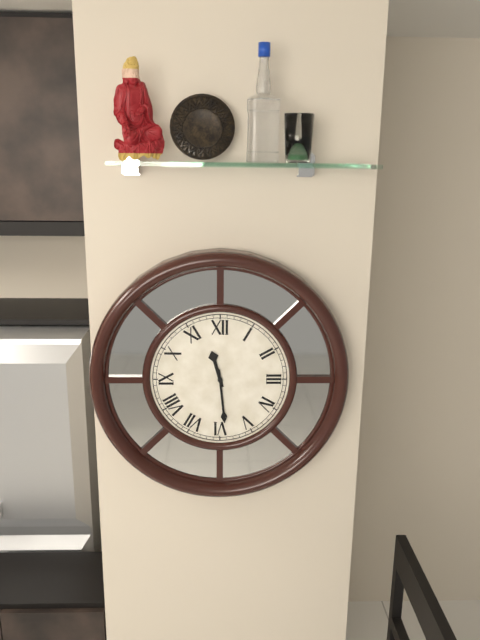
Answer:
{"hour": 11, "minute": 29}
